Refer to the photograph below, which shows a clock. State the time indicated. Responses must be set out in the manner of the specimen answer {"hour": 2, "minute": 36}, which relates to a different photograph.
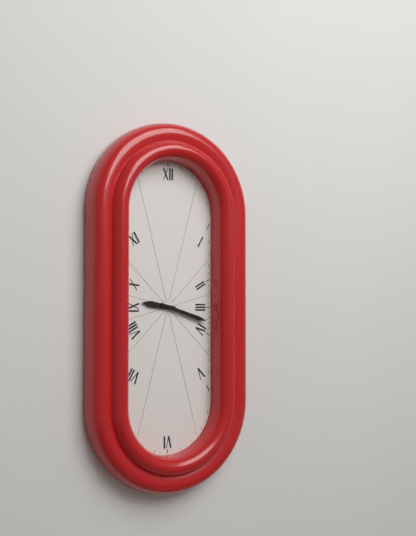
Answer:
{"hour": 9, "minute": 18}
